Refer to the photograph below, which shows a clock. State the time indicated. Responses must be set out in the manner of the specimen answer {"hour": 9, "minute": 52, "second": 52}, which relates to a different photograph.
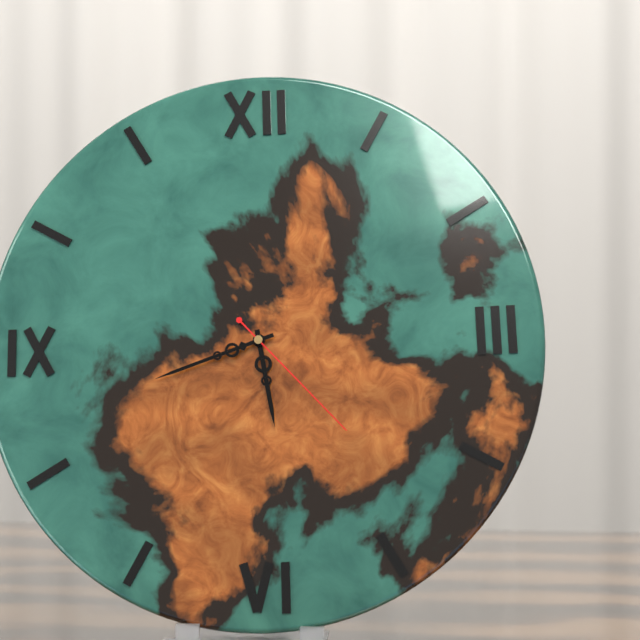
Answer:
{"hour": 5, "minute": 42, "second": 23}
